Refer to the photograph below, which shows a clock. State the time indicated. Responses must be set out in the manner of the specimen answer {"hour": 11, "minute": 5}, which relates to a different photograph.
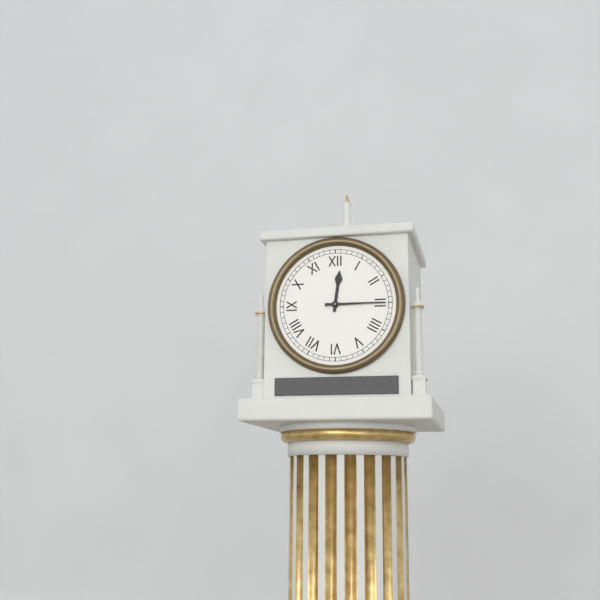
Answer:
{"hour": 12, "minute": 15}
